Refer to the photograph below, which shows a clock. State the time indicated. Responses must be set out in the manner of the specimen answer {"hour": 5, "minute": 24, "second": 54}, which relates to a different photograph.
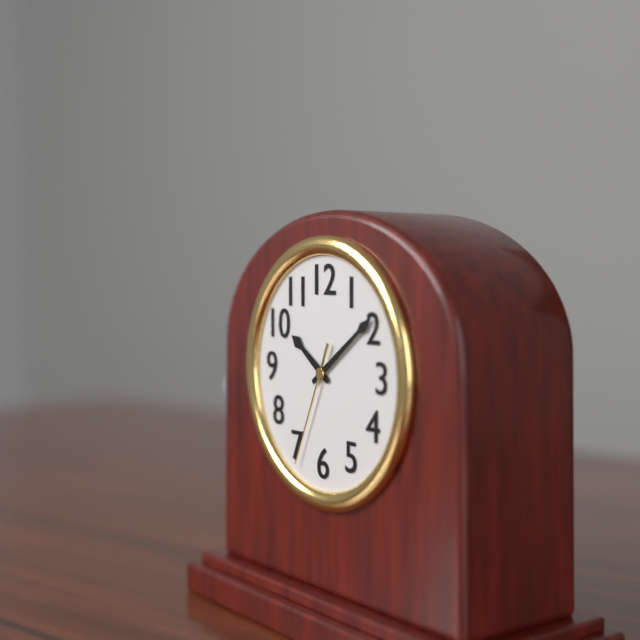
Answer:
{"hour": 10, "minute": 9, "second": 34}
